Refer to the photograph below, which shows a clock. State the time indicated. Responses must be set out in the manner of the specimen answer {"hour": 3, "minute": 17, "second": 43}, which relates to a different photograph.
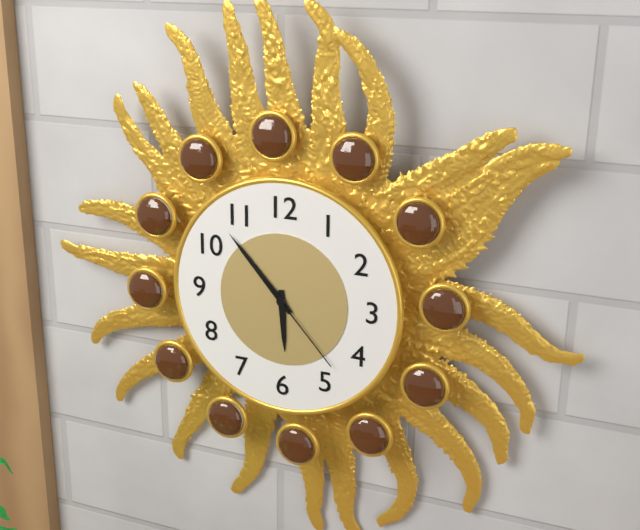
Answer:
{"hour": 5, "minute": 53, "second": 23}
